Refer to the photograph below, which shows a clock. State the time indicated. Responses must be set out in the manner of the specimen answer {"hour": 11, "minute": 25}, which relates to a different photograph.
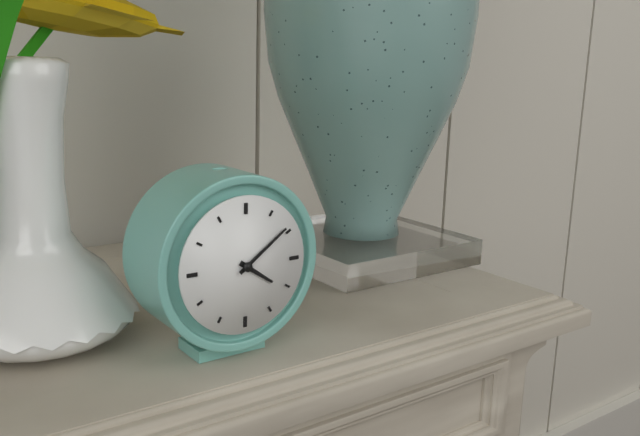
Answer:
{"hour": 4, "minute": 9}
